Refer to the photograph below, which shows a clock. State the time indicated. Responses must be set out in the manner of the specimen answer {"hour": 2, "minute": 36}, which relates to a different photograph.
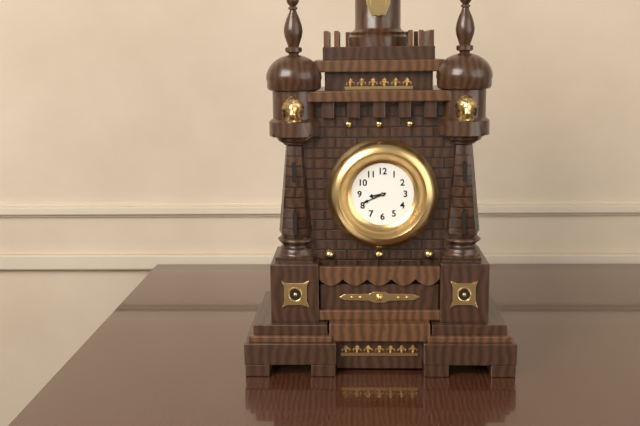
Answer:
{"hour": 8, "minute": 41}
